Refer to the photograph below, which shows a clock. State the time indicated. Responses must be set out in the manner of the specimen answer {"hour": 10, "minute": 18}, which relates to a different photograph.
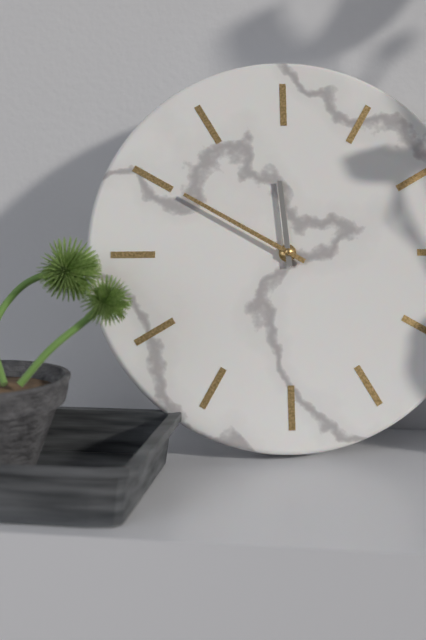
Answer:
{"hour": 11, "minute": 50}
